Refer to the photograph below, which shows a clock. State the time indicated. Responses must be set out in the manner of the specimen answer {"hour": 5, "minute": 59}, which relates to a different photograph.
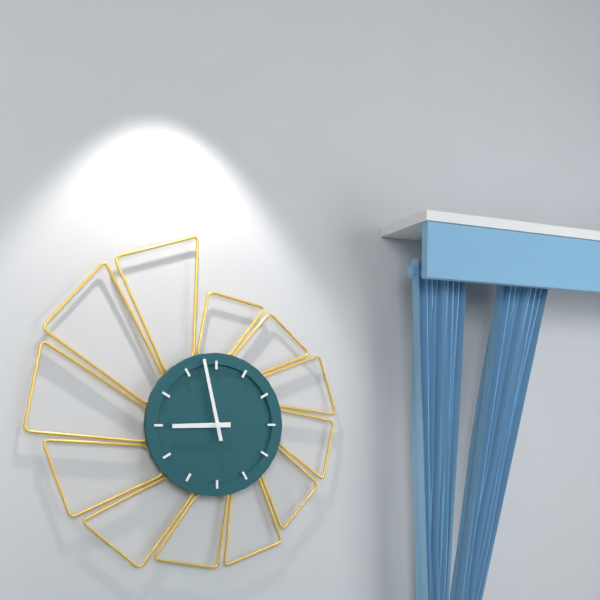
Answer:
{"hour": 8, "minute": 58}
